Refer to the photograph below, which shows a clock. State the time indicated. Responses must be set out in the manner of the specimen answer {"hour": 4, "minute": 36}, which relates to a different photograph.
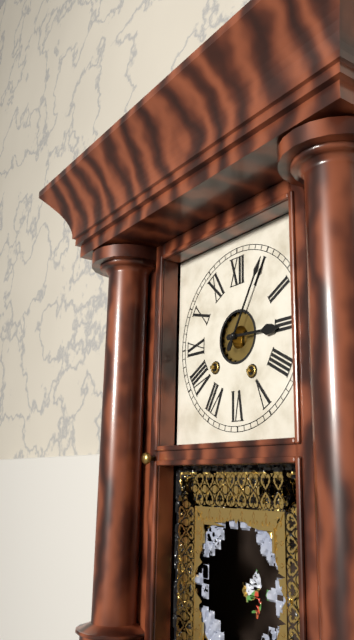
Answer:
{"hour": 3, "minute": 5}
